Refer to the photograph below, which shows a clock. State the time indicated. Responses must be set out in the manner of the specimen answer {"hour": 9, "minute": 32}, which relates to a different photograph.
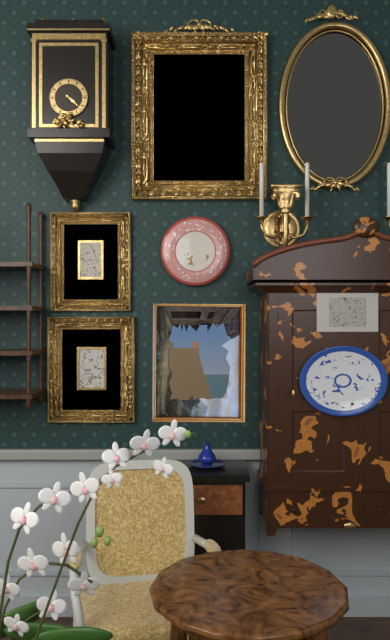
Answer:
{"hour": 4, "minute": 22}
